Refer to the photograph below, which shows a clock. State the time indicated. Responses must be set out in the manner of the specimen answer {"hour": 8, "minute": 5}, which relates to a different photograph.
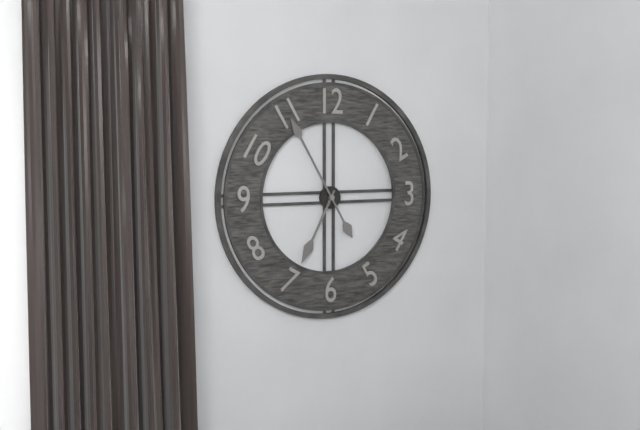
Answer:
{"hour": 6, "minute": 55}
